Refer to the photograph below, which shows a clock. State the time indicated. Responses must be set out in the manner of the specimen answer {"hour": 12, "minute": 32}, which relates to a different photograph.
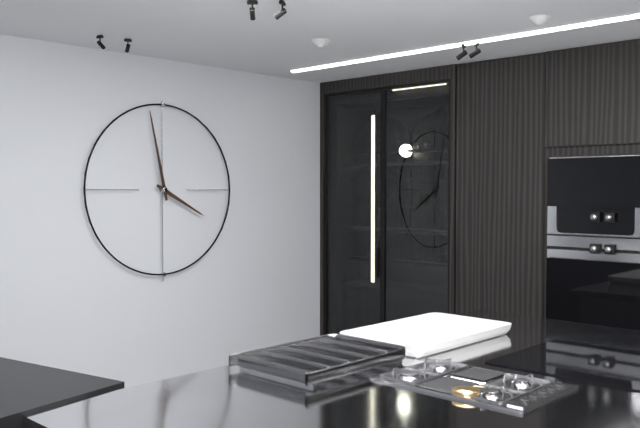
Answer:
{"hour": 3, "minute": 58}
